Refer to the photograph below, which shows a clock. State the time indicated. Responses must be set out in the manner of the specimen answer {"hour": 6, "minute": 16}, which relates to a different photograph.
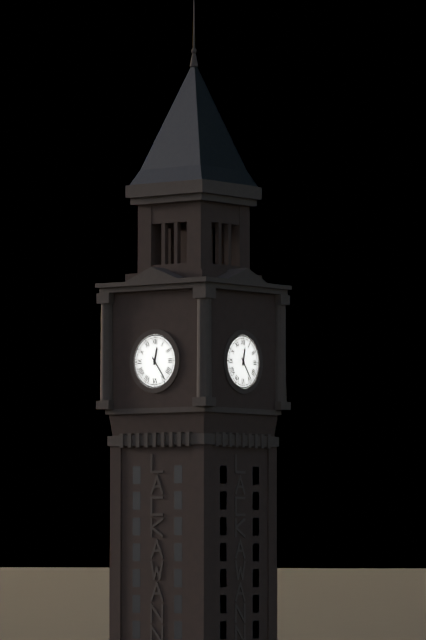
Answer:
{"hour": 12, "minute": 24}
